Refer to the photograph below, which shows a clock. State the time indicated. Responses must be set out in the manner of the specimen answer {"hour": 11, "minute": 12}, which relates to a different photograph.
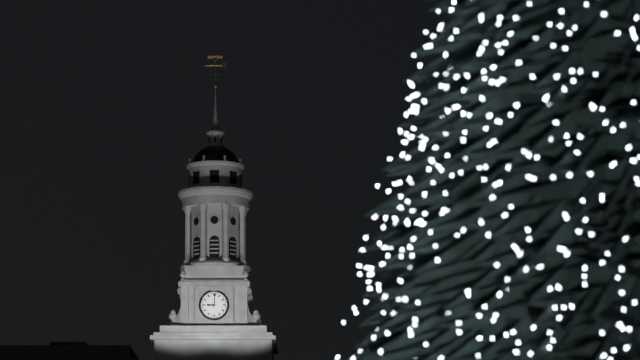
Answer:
{"hour": 9, "minute": 1}
